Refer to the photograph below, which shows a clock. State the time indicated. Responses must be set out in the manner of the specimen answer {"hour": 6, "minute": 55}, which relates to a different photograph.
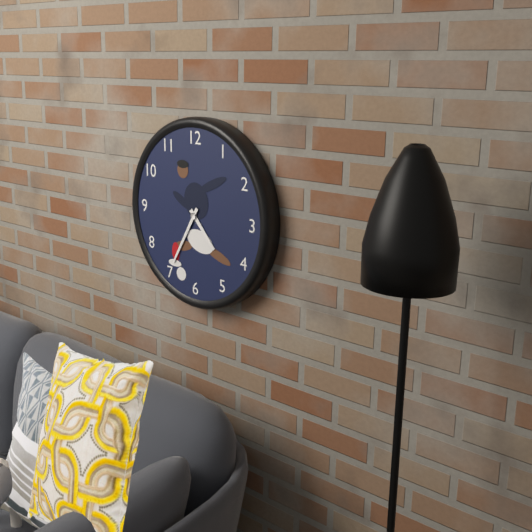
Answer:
{"hour": 4, "minute": 35}
